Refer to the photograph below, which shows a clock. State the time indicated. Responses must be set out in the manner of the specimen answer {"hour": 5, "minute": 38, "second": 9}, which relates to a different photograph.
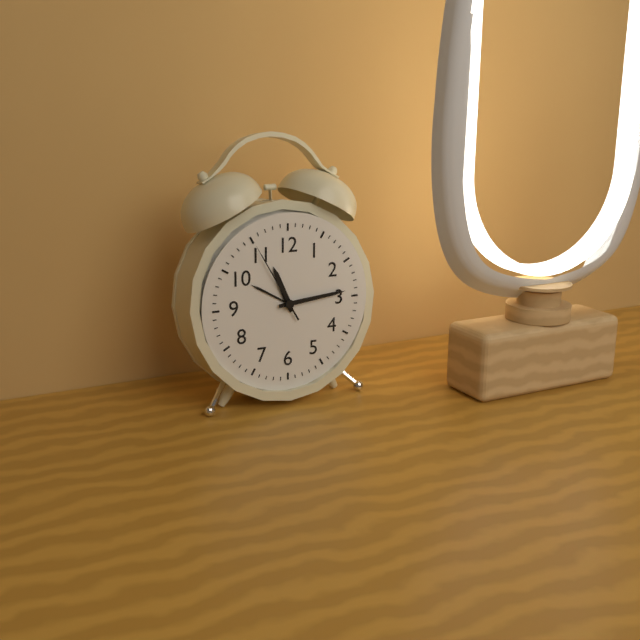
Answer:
{"hour": 11, "minute": 14, "second": 55}
